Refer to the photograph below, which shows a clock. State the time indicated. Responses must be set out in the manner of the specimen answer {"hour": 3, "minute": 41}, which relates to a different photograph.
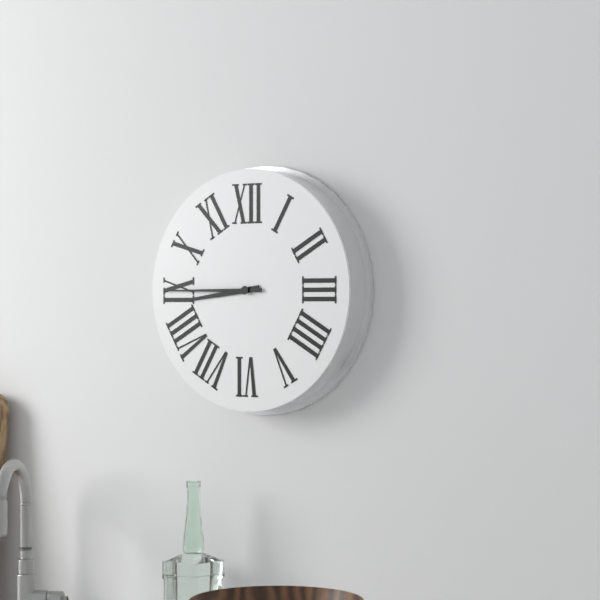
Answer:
{"hour": 8, "minute": 45}
